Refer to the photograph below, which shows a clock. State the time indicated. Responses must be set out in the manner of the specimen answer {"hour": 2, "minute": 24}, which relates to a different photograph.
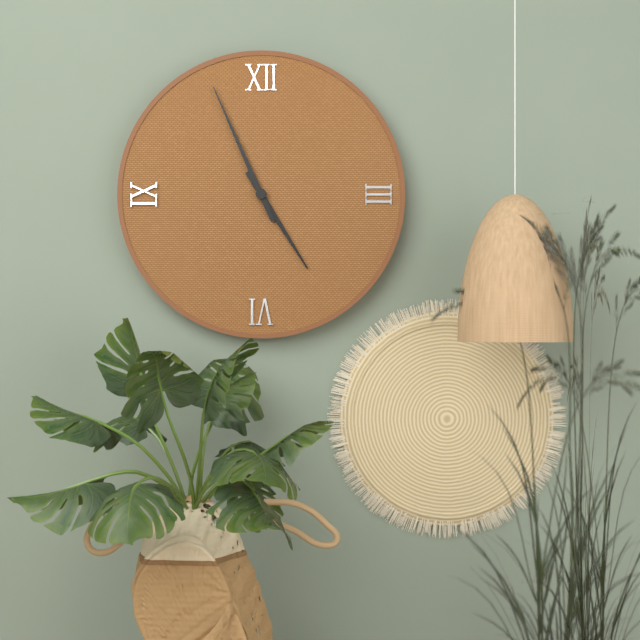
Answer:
{"hour": 4, "minute": 56}
